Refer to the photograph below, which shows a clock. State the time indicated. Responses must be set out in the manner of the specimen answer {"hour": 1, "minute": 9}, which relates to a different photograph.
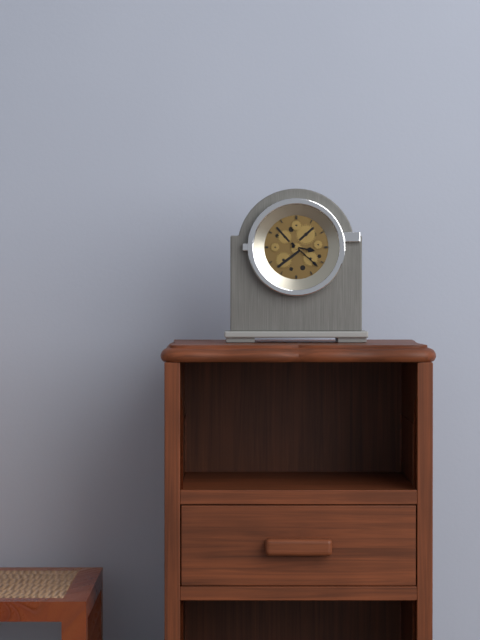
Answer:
{"hour": 3, "minute": 22}
